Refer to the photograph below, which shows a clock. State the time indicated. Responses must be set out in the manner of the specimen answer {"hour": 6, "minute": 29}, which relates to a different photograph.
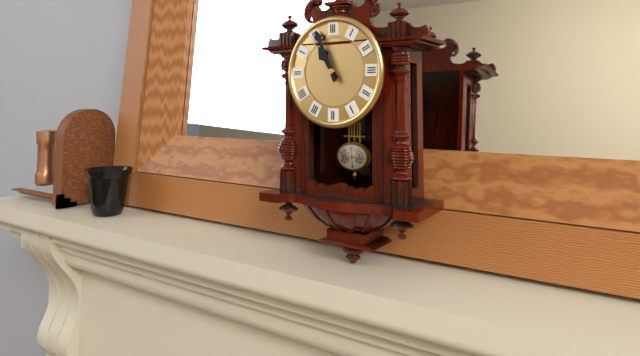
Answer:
{"hour": 10, "minute": 56}
